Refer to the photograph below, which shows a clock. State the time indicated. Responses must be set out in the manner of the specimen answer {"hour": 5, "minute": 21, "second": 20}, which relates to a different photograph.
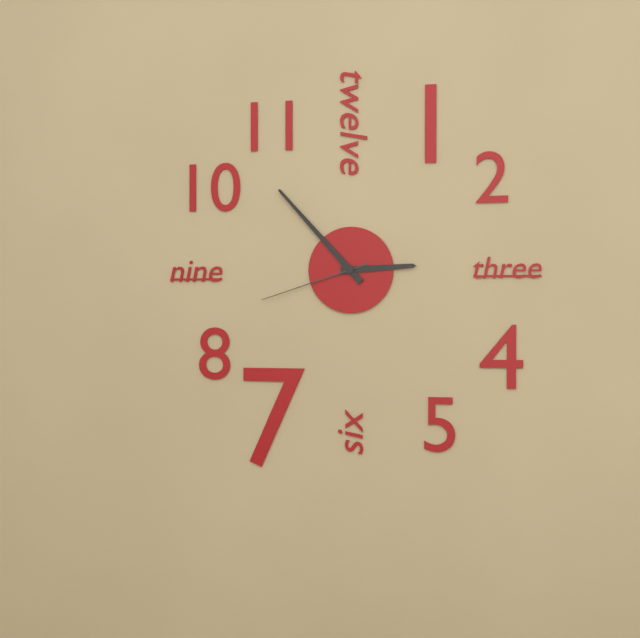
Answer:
{"hour": 2, "minute": 53, "second": 42}
